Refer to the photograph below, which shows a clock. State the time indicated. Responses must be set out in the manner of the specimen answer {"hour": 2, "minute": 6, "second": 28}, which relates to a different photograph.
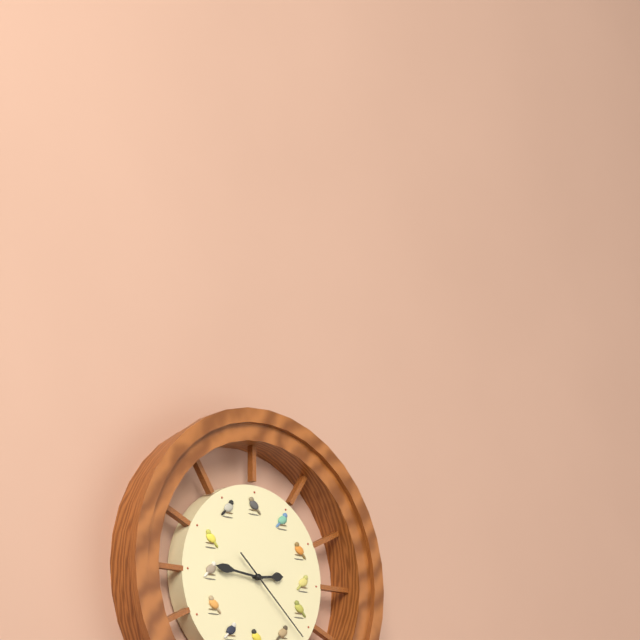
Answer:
{"hour": 2, "minute": 46, "second": 22}
